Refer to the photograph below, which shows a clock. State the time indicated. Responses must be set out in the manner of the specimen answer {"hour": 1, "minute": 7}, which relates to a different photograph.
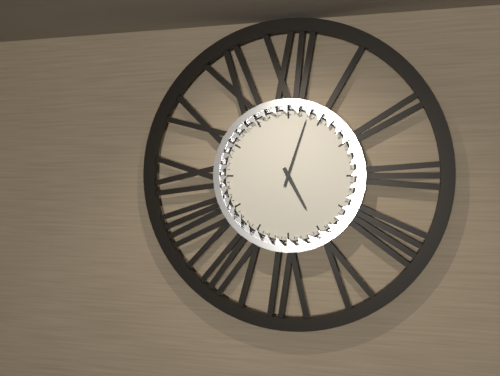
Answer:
{"hour": 5, "minute": 3}
